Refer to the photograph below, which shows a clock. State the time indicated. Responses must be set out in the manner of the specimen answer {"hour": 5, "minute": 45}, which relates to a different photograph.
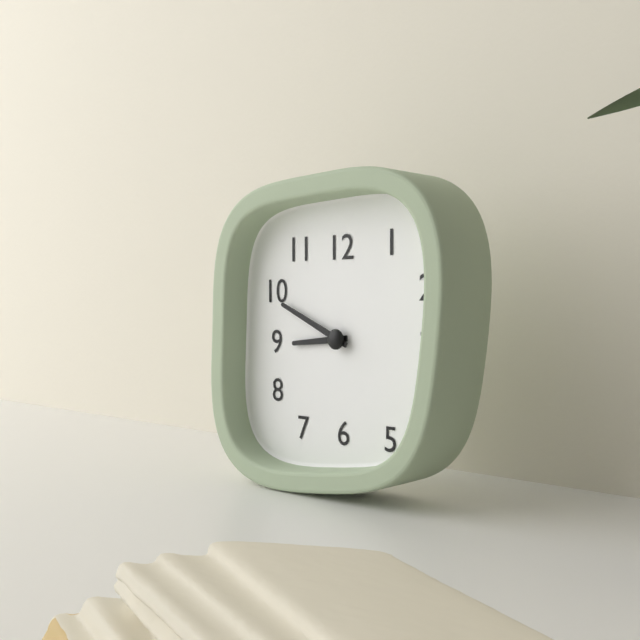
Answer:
{"hour": 8, "minute": 49}
